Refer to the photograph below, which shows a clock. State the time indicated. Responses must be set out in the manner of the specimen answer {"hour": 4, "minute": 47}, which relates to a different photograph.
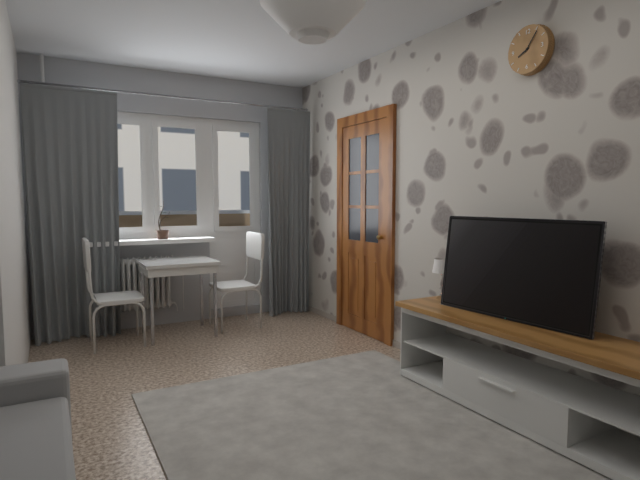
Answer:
{"hour": 8, "minute": 6}
